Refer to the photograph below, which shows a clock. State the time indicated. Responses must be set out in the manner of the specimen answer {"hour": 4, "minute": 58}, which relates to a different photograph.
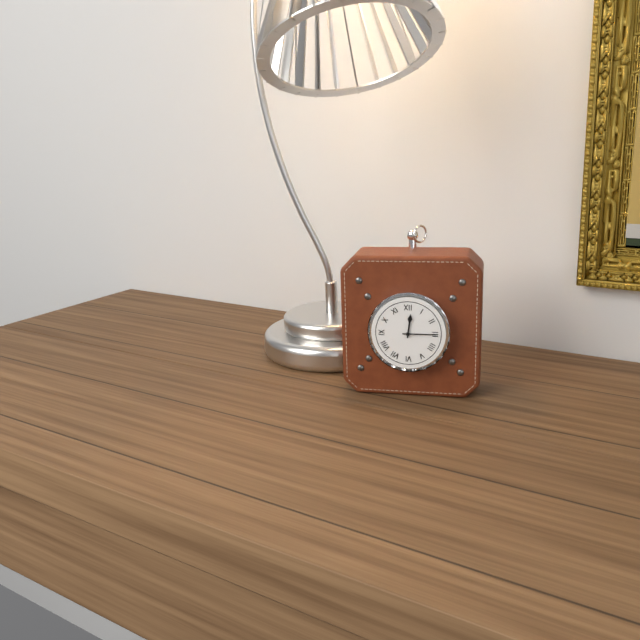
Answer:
{"hour": 12, "minute": 15}
